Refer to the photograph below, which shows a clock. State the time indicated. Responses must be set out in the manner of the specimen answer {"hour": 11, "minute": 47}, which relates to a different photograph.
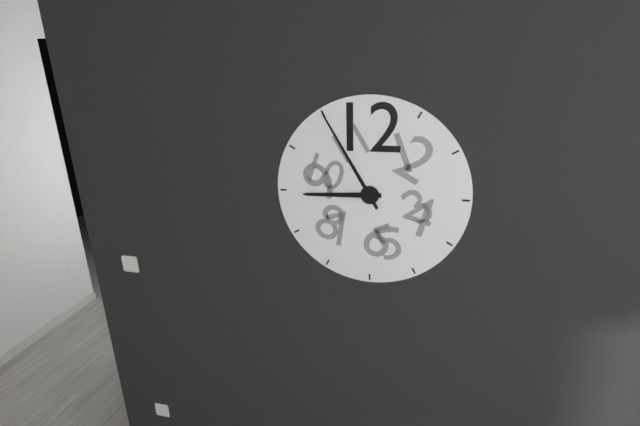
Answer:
{"hour": 8, "minute": 55}
